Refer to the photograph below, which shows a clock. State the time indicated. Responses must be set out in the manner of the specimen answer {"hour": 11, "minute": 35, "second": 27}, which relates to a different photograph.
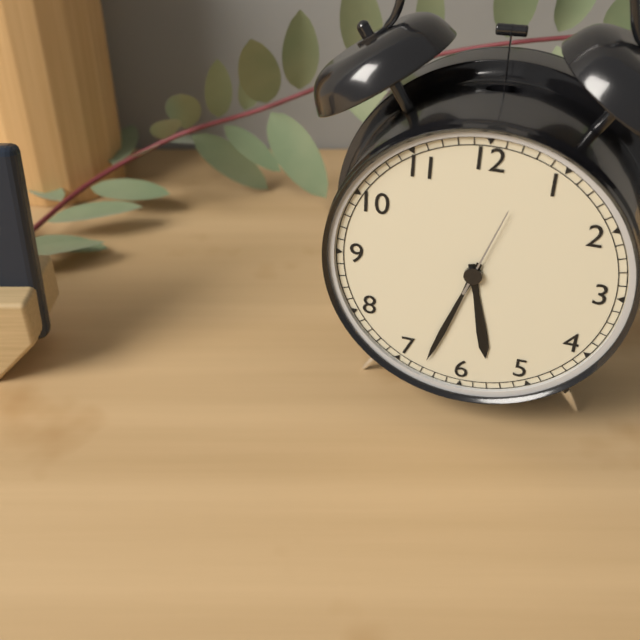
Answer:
{"hour": 5, "minute": 33, "second": 3}
